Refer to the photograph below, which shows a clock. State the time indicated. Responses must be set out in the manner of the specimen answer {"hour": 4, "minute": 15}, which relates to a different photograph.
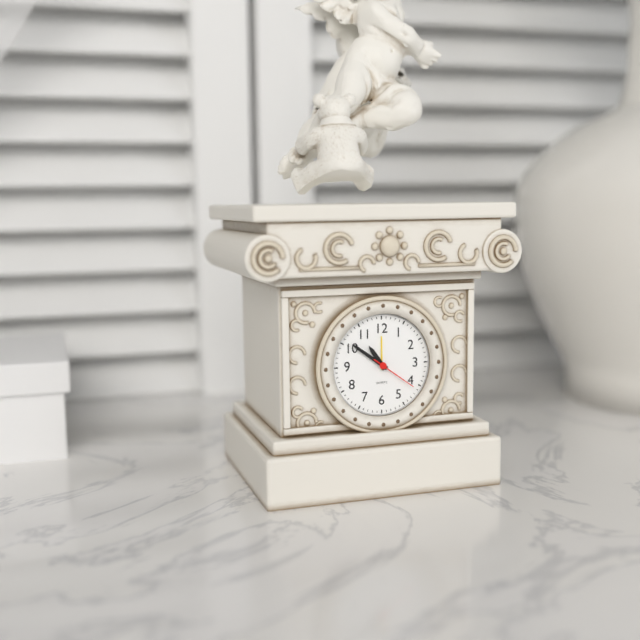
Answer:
{"hour": 10, "minute": 51}
